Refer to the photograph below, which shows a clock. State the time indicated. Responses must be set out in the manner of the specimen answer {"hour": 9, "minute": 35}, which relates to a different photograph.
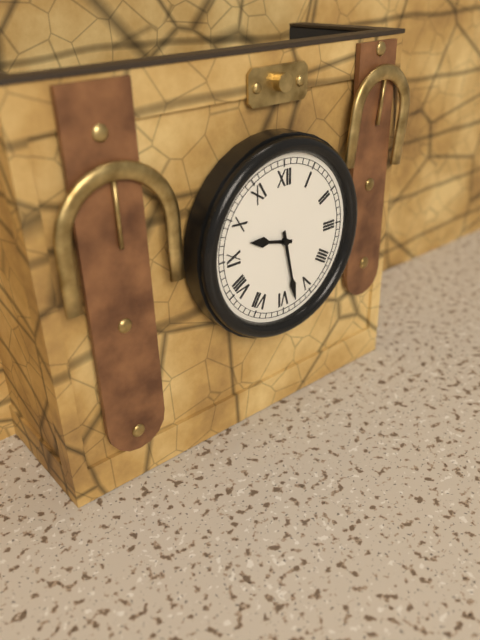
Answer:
{"hour": 9, "minute": 28}
